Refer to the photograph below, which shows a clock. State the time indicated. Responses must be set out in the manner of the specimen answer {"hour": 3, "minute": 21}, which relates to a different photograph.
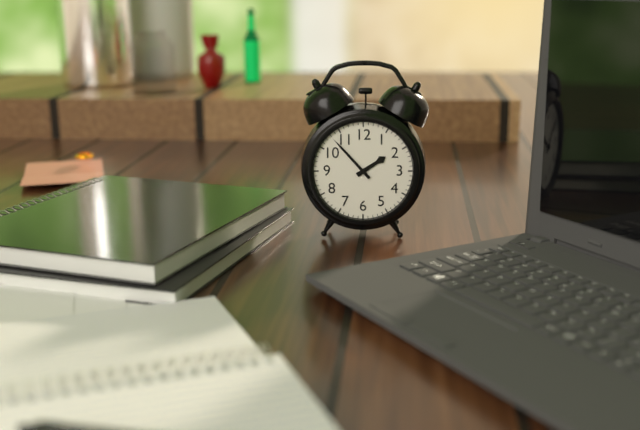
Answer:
{"hour": 1, "minute": 53}
